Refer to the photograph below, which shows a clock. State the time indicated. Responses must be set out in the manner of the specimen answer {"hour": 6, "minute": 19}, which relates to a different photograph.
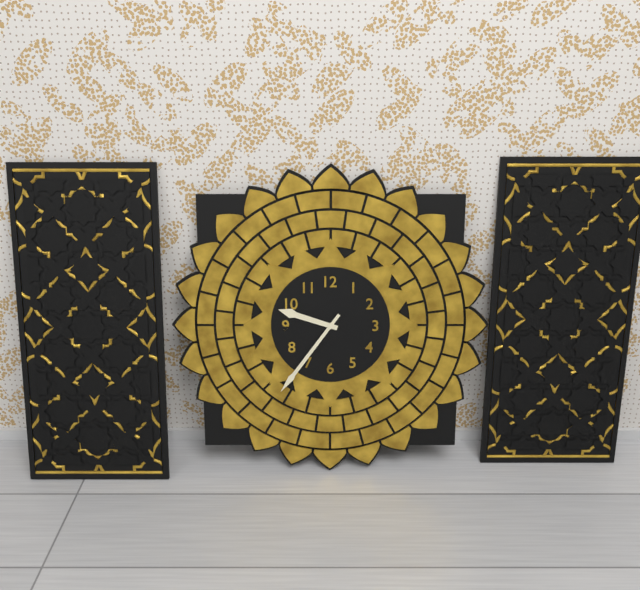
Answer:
{"hour": 9, "minute": 36}
